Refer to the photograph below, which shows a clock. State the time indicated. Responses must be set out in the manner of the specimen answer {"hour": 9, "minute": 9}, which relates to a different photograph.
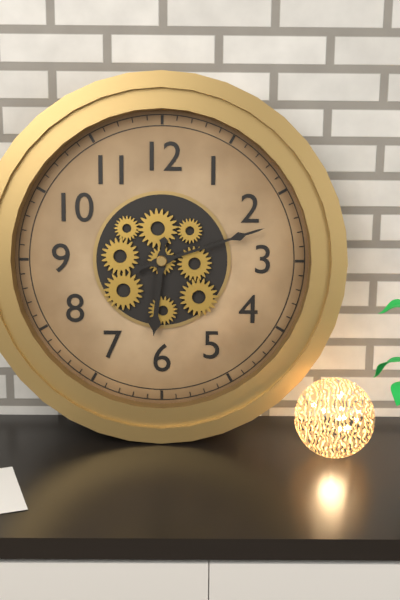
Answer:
{"hour": 6, "minute": 12}
